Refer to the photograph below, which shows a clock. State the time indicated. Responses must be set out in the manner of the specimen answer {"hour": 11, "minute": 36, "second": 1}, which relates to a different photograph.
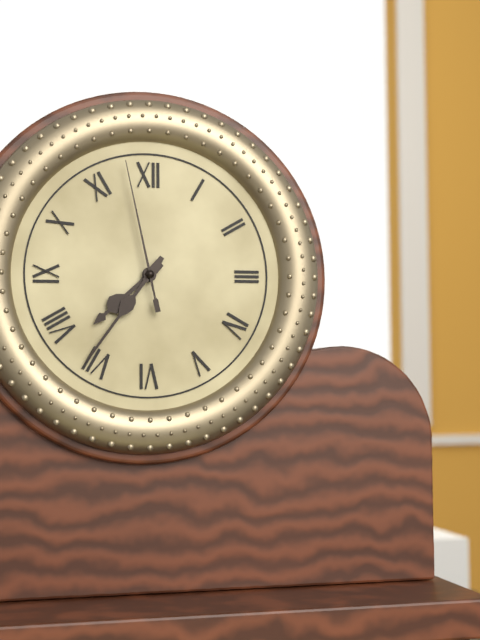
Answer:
{"hour": 7, "minute": 36, "second": 58}
